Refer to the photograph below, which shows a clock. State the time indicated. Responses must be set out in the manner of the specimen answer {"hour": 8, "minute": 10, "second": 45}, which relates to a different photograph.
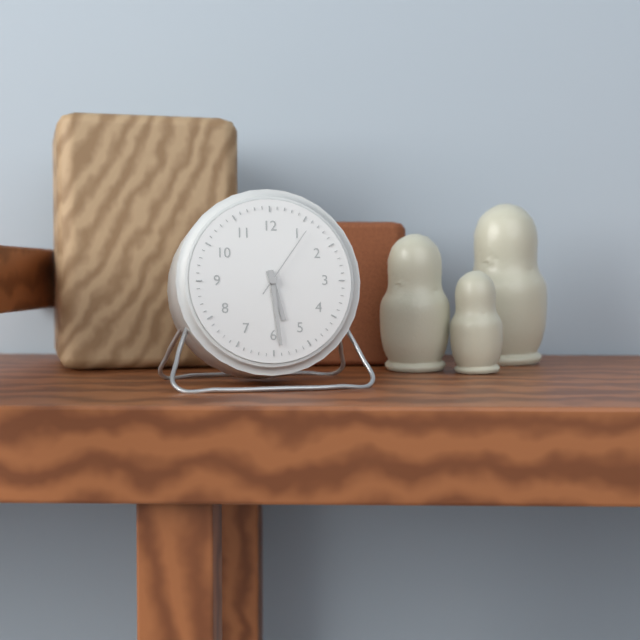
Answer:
{"hour": 5, "minute": 29, "second": 6}
